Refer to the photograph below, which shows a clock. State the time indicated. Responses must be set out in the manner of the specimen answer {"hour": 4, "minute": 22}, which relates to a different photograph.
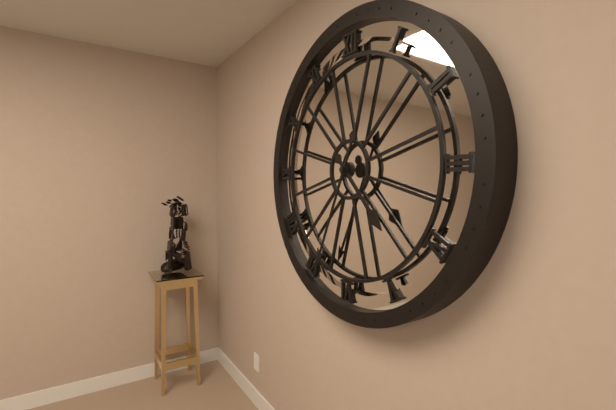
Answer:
{"hour": 4, "minute": 34}
